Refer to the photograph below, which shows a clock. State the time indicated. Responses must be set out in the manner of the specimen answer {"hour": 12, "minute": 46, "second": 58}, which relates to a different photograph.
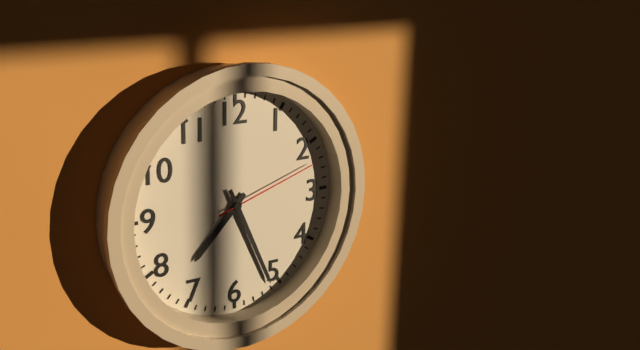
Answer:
{"hour": 7, "minute": 26, "second": 12}
